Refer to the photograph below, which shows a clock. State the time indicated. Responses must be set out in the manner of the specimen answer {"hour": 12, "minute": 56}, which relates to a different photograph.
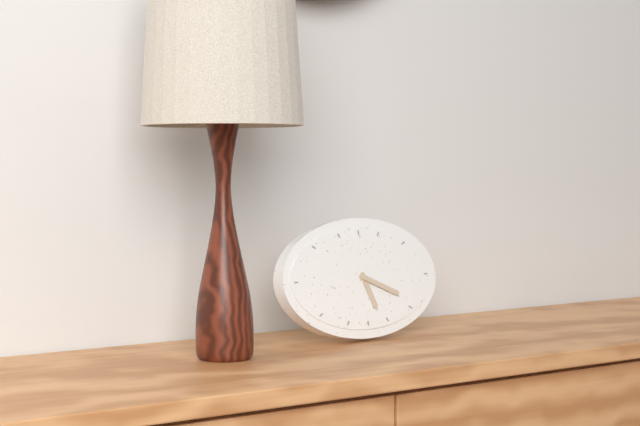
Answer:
{"hour": 5, "minute": 19}
